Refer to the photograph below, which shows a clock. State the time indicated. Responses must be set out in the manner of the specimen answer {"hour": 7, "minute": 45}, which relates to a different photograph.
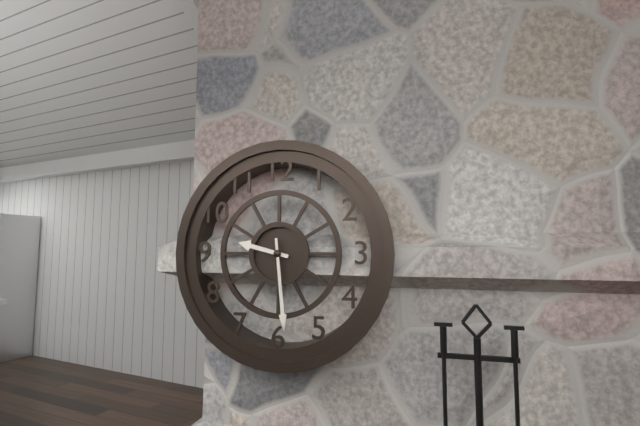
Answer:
{"hour": 9, "minute": 29}
